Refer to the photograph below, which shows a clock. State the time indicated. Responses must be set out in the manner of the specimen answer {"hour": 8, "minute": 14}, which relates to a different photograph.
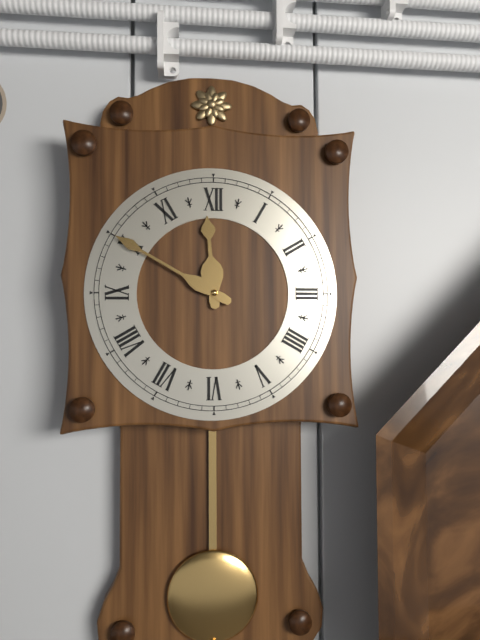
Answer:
{"hour": 11, "minute": 50}
